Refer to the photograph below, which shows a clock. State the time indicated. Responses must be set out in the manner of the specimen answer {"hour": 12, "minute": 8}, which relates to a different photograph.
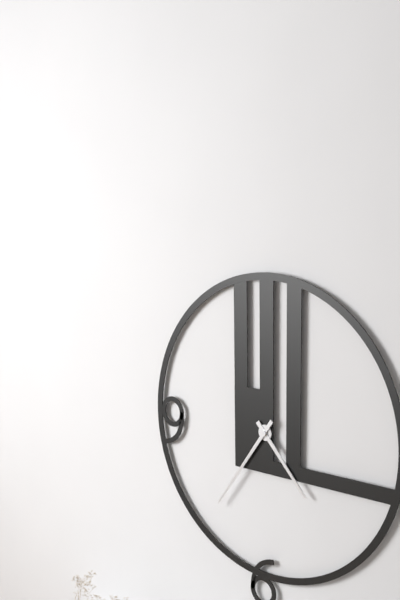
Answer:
{"hour": 4, "minute": 36}
